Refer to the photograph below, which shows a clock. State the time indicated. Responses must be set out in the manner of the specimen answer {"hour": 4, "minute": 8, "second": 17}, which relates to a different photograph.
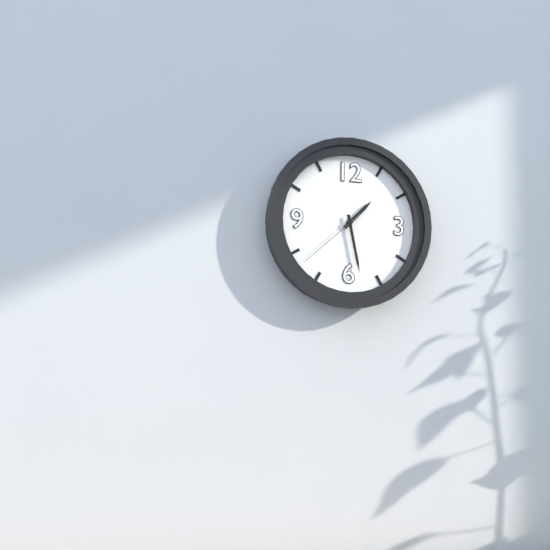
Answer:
{"hour": 1, "minute": 28, "second": 38}
